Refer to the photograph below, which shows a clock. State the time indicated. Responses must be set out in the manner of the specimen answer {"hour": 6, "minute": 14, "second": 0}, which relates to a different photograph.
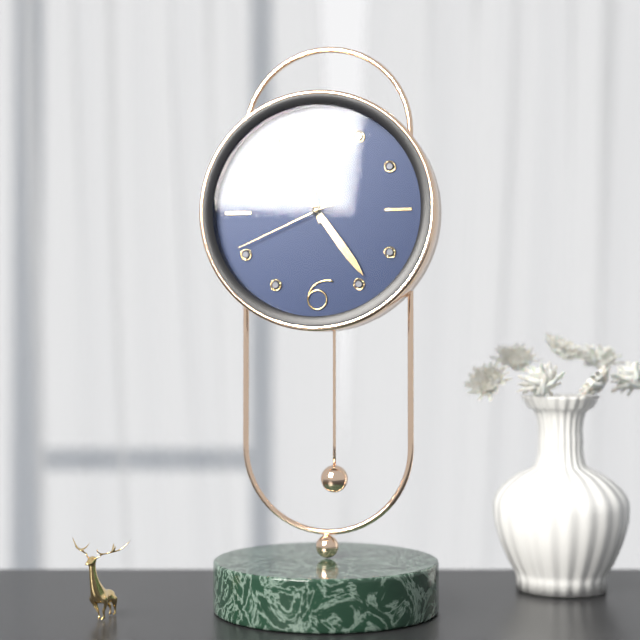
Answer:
{"hour": 11, "minute": 24, "second": 41}
